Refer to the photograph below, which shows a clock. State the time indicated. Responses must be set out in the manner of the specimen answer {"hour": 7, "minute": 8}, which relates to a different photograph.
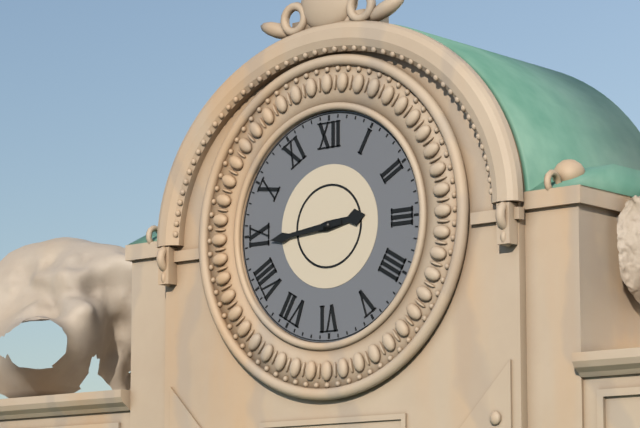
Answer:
{"hour": 2, "minute": 44}
